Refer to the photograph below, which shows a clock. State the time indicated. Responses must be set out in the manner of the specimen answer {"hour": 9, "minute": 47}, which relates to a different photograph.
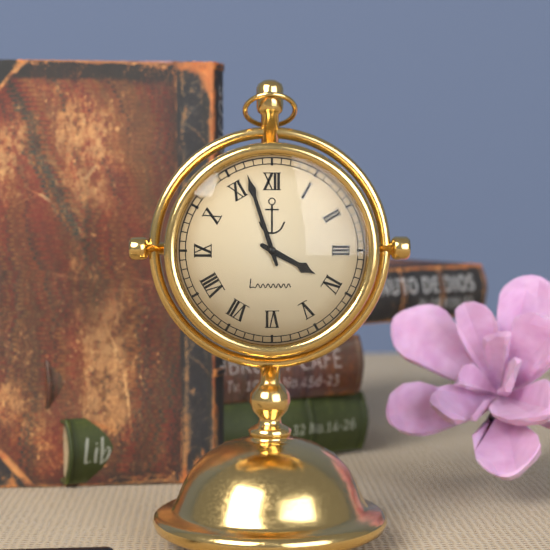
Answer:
{"hour": 3, "minute": 57}
